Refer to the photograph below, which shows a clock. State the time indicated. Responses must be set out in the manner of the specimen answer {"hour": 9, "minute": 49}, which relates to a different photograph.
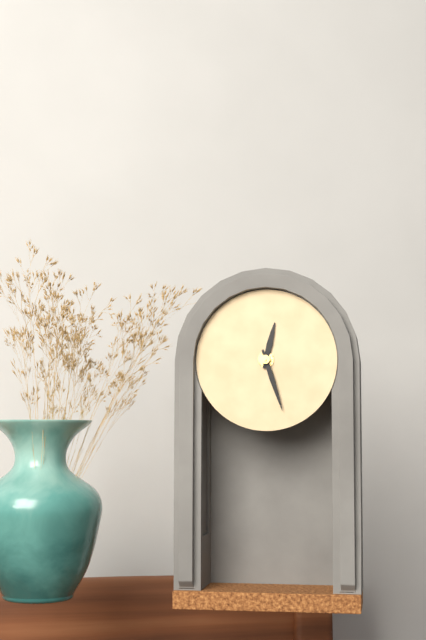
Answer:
{"hour": 12, "minute": 27}
